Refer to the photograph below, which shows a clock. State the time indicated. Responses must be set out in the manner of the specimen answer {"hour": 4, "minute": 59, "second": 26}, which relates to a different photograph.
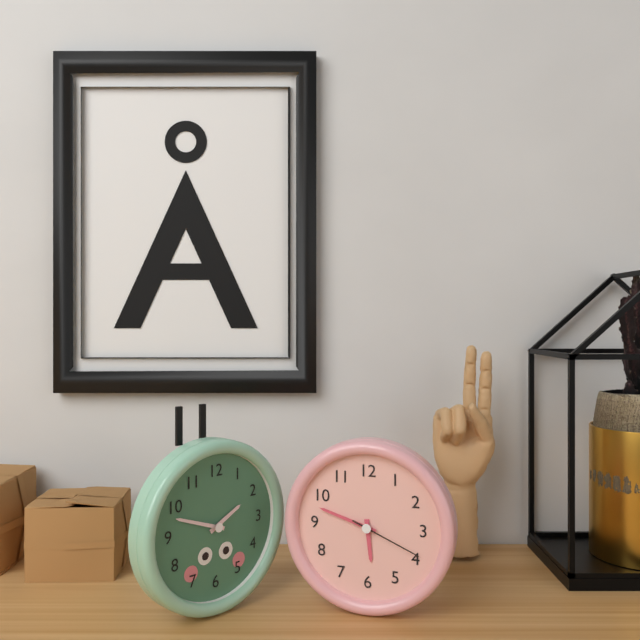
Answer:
{"hour": 5, "minute": 48, "second": 19}
